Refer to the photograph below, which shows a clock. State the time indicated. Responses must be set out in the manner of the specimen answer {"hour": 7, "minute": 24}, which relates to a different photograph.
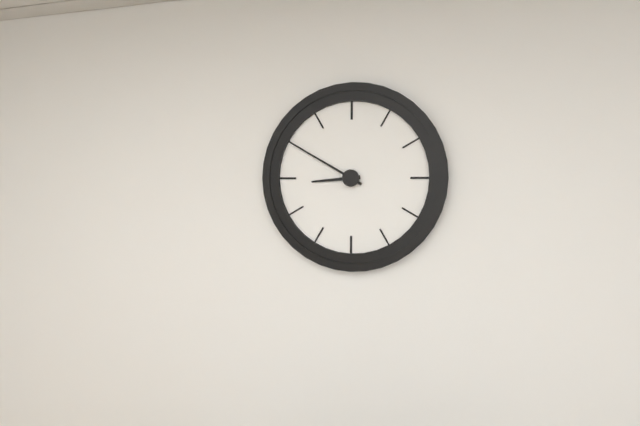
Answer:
{"hour": 8, "minute": 50}
